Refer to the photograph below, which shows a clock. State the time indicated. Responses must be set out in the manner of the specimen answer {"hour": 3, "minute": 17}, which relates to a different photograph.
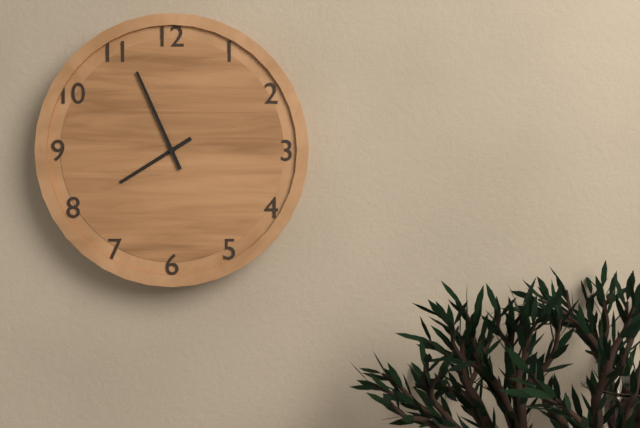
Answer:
{"hour": 7, "minute": 56}
